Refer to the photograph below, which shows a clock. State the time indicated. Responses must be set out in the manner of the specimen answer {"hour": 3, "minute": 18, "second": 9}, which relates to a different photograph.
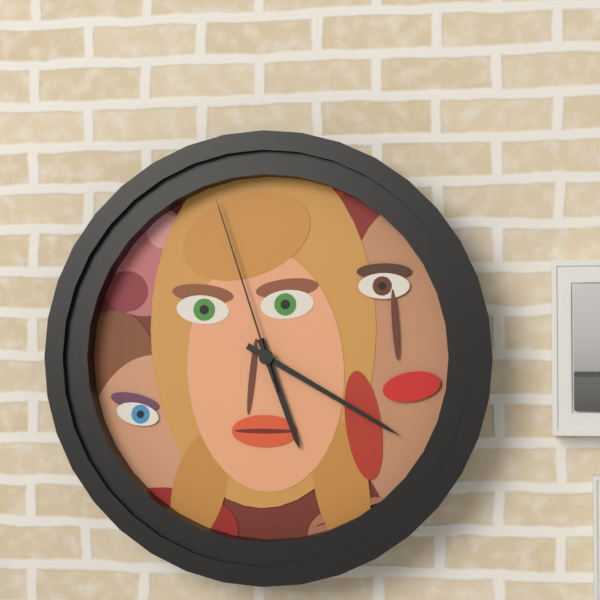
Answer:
{"hour": 5, "minute": 20, "second": 57}
